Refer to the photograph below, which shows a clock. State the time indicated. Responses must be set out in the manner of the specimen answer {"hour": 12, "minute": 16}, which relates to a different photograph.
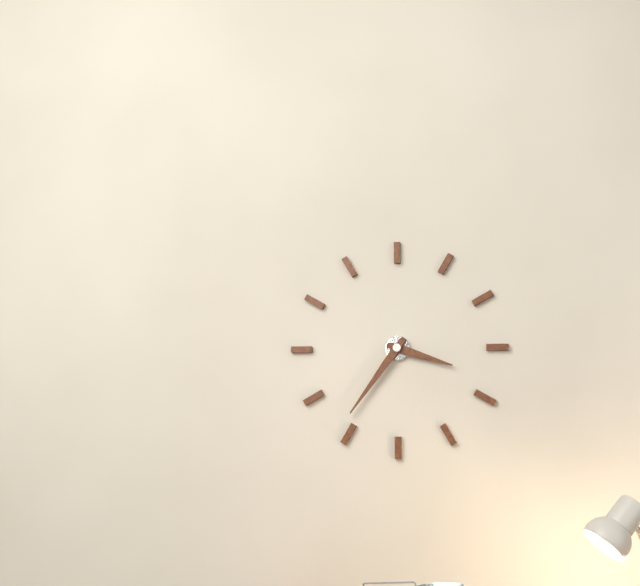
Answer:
{"hour": 3, "minute": 36}
